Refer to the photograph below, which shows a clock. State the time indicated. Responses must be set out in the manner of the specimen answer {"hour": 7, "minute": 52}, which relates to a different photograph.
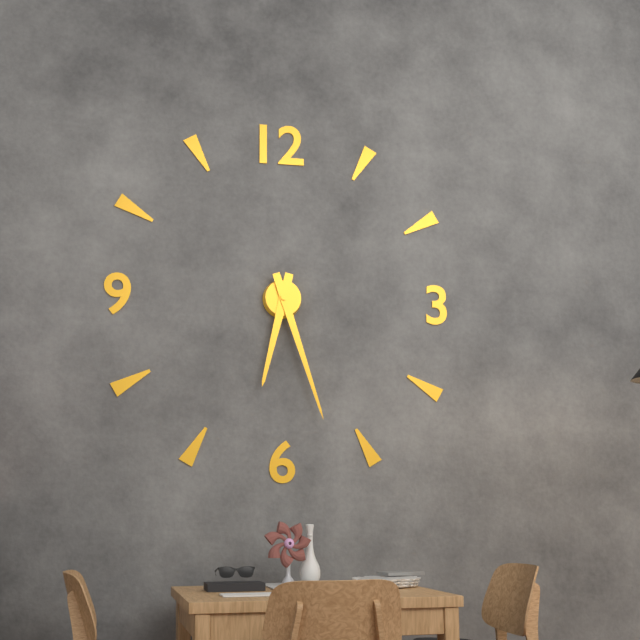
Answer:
{"hour": 6, "minute": 27}
